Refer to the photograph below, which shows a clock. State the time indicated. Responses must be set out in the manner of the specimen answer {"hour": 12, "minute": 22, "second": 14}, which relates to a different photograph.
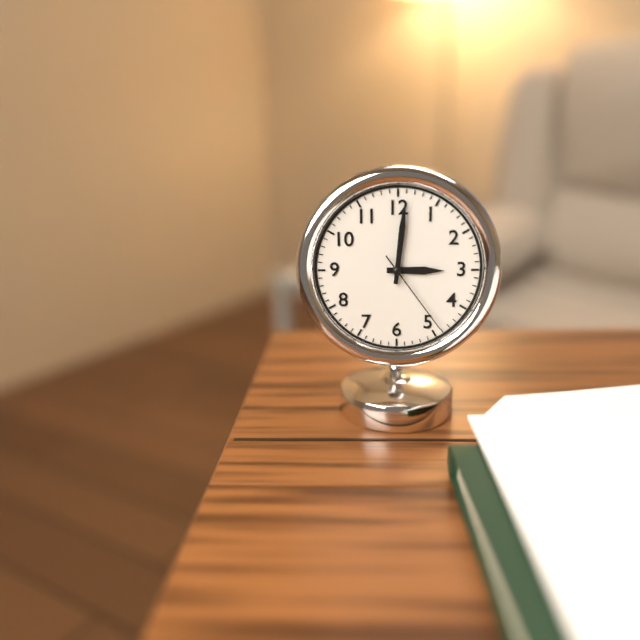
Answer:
{"hour": 3, "minute": 1, "second": 24}
